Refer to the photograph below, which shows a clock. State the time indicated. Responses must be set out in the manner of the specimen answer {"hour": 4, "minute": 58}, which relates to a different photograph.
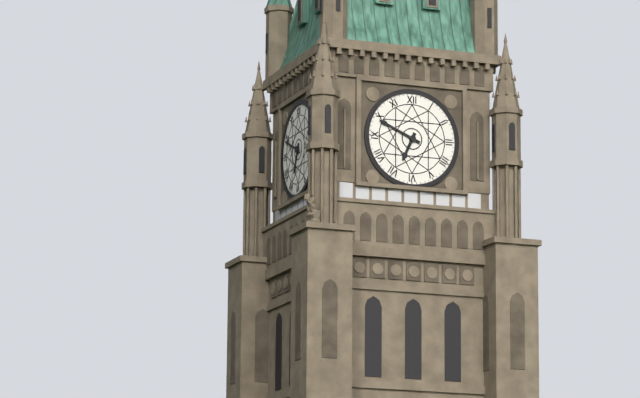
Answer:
{"hour": 6, "minute": 49}
